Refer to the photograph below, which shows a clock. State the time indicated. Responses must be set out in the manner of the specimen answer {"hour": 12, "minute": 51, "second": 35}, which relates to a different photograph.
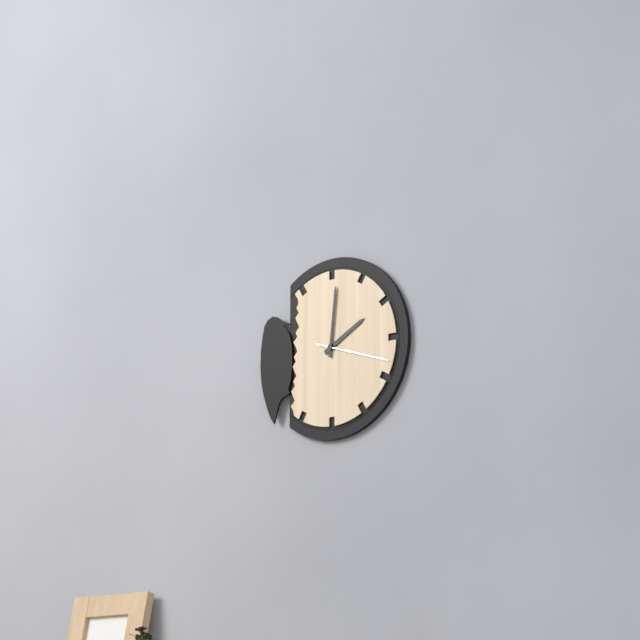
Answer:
{"hour": 2, "minute": 1, "second": 18}
